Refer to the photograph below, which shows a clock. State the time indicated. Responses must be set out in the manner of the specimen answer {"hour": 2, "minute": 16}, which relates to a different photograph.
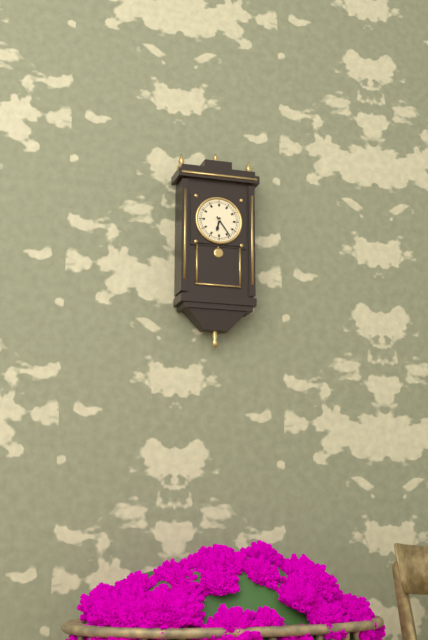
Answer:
{"hour": 6, "minute": 24}
